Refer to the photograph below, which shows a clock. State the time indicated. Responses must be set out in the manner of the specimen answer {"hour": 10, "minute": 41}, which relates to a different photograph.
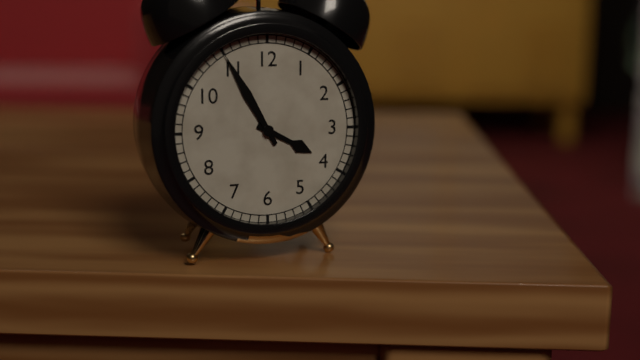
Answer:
{"hour": 3, "minute": 55}
